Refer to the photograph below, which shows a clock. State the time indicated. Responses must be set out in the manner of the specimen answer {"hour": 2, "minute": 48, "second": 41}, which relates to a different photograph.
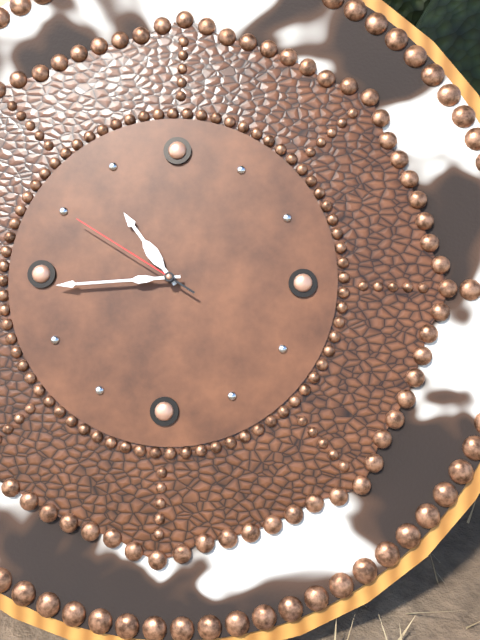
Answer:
{"hour": 10, "minute": 44, "second": 50}
